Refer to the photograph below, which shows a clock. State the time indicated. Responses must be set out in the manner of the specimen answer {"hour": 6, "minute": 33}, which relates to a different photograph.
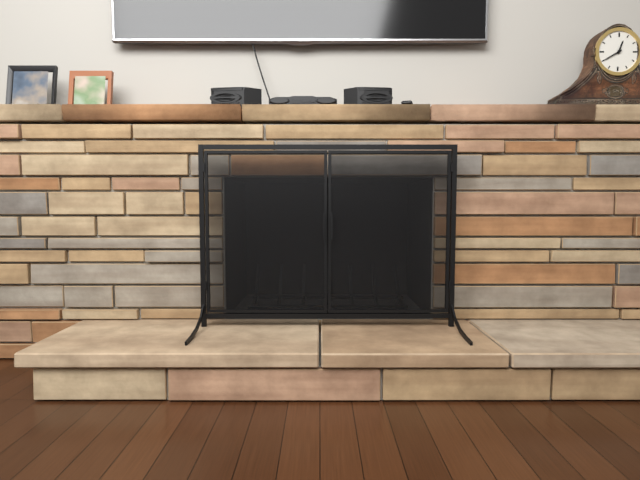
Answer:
{"hour": 12, "minute": 40}
